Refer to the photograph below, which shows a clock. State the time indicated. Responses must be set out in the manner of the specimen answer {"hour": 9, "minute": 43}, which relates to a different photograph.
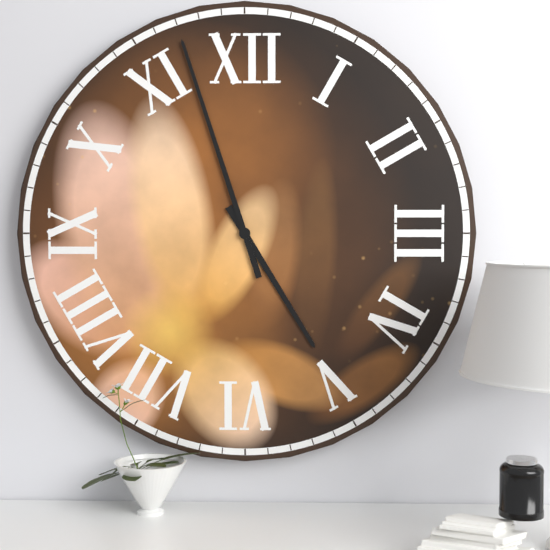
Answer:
{"hour": 4, "minute": 57}
